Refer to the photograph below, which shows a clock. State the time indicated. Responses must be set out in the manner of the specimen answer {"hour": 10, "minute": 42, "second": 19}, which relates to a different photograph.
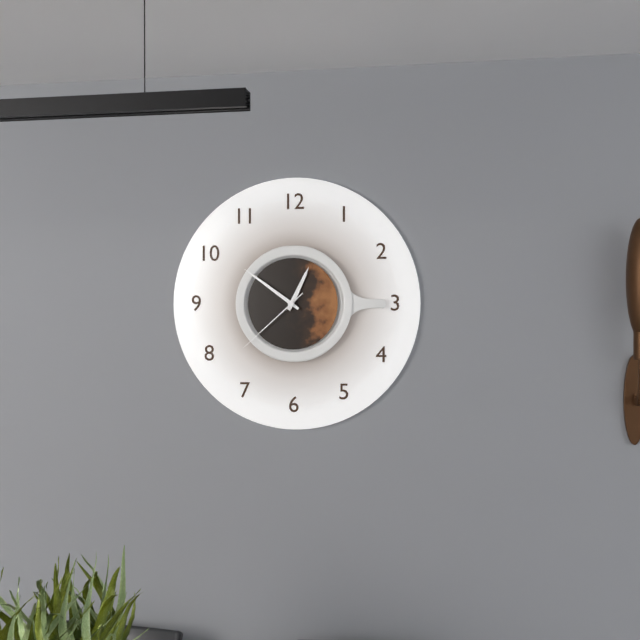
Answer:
{"hour": 12, "minute": 51, "second": 38}
